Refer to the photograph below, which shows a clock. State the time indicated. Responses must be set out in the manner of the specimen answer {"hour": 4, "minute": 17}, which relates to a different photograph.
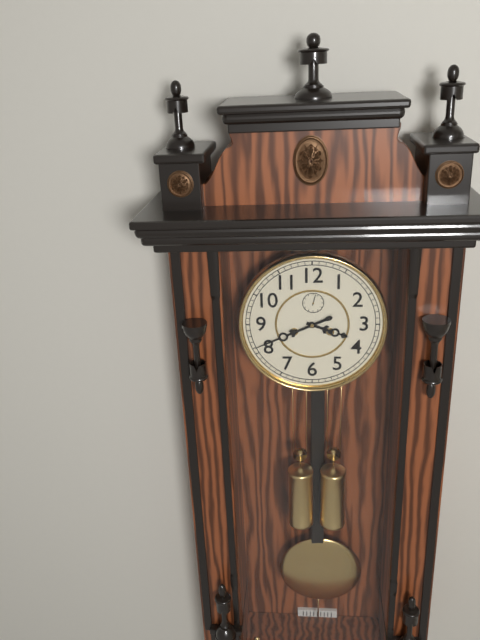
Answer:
{"hour": 3, "minute": 41}
